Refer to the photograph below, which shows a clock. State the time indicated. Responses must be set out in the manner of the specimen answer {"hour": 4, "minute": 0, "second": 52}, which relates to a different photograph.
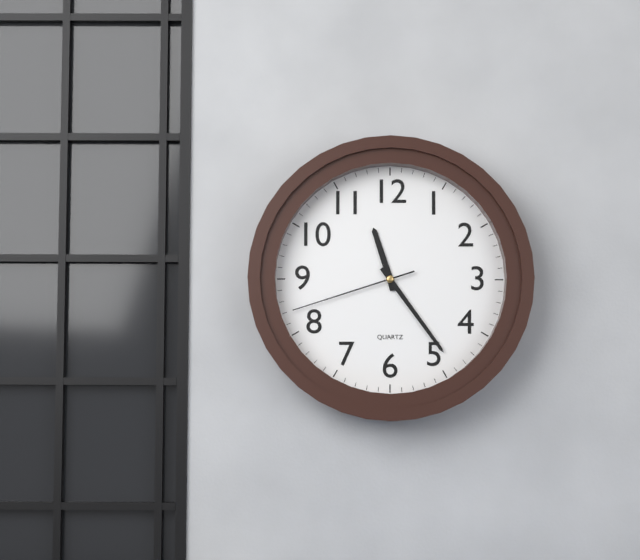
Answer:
{"hour": 11, "minute": 24, "second": 42}
